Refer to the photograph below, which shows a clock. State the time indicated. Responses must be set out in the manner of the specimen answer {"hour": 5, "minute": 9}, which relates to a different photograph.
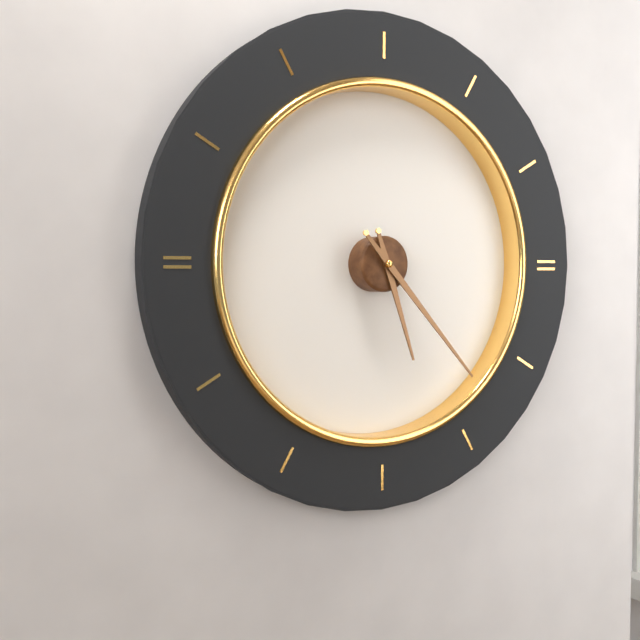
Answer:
{"hour": 5, "minute": 23}
